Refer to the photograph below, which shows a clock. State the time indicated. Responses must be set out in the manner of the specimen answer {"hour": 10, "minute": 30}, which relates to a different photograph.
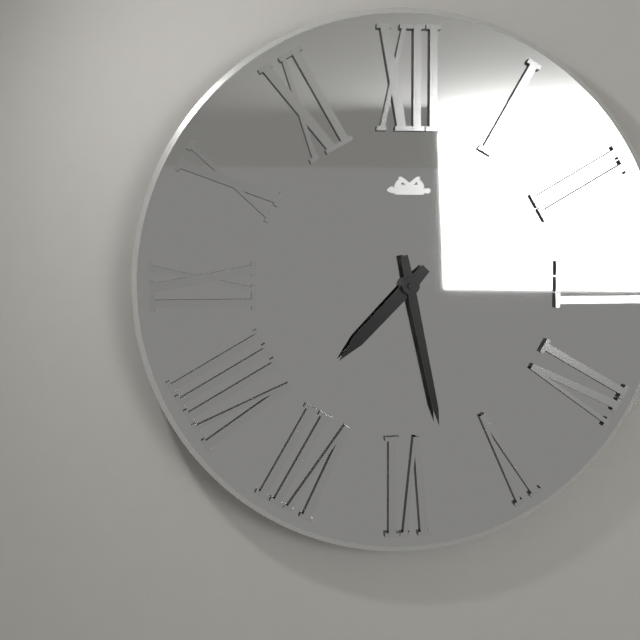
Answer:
{"hour": 7, "minute": 28}
